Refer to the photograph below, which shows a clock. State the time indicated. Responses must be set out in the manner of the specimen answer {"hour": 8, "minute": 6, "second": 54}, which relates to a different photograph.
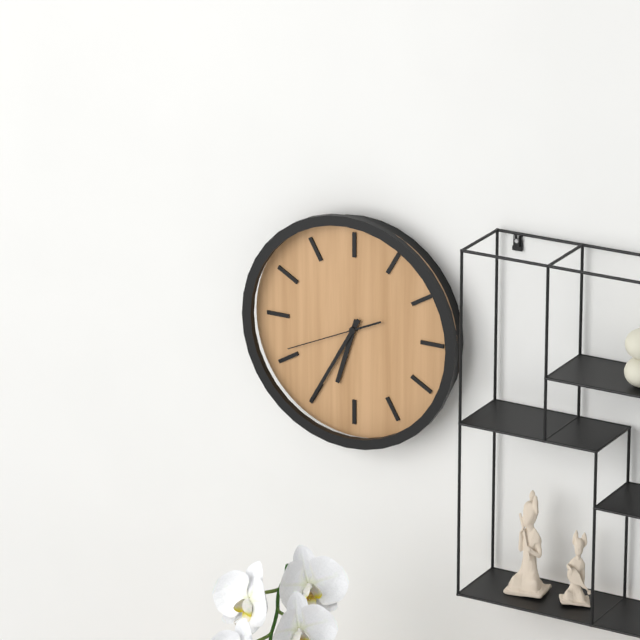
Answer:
{"hour": 6, "minute": 35, "second": 41}
